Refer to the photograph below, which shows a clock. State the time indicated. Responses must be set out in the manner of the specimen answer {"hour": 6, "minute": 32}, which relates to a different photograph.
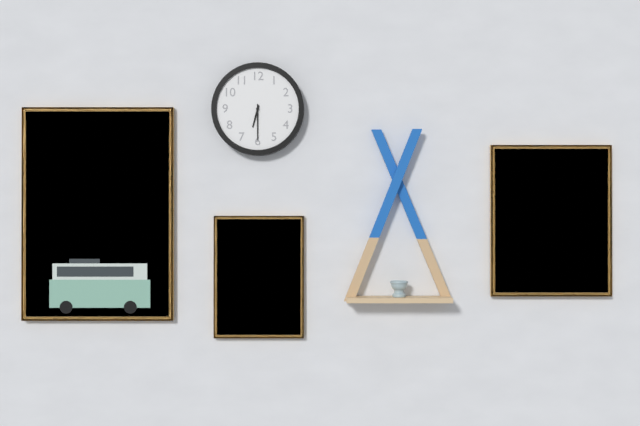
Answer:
{"hour": 6, "minute": 30}
